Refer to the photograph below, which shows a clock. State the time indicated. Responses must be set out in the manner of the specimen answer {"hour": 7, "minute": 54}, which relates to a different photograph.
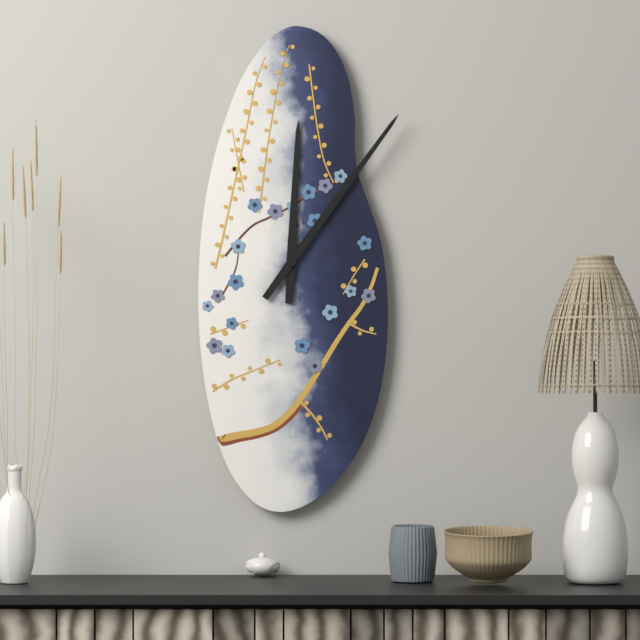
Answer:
{"hour": 12, "minute": 6}
